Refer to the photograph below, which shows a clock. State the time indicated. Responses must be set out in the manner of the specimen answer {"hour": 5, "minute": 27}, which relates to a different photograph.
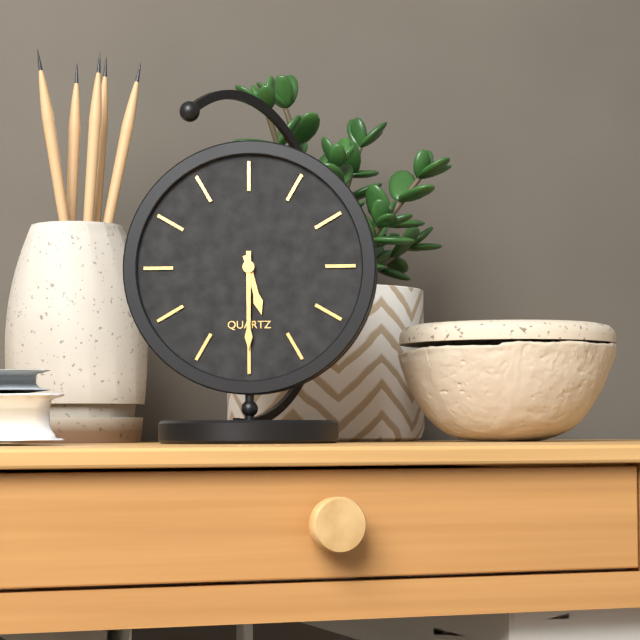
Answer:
{"hour": 5, "minute": 30}
